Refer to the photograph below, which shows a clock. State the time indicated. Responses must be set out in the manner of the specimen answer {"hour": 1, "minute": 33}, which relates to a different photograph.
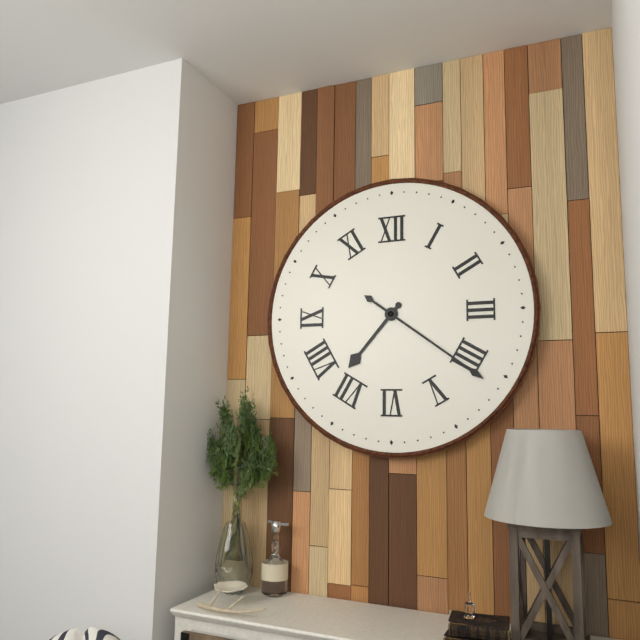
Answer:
{"hour": 7, "minute": 21}
